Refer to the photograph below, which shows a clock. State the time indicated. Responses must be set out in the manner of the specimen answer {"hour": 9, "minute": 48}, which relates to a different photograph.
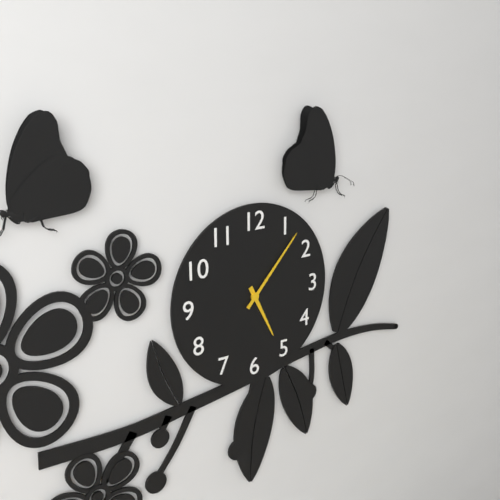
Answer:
{"hour": 5, "minute": 7}
